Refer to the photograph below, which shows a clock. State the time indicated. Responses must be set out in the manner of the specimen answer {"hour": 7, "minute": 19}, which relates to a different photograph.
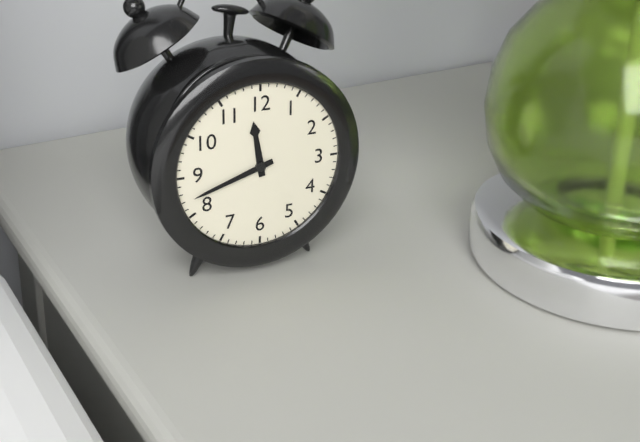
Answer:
{"hour": 11, "minute": 42}
